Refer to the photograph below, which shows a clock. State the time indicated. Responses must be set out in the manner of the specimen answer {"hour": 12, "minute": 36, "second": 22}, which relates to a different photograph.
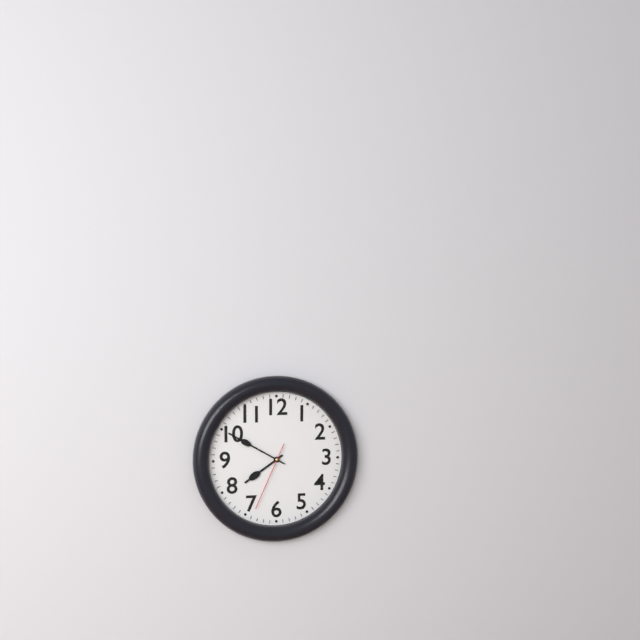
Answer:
{"hour": 7, "minute": 50, "second": 34}
